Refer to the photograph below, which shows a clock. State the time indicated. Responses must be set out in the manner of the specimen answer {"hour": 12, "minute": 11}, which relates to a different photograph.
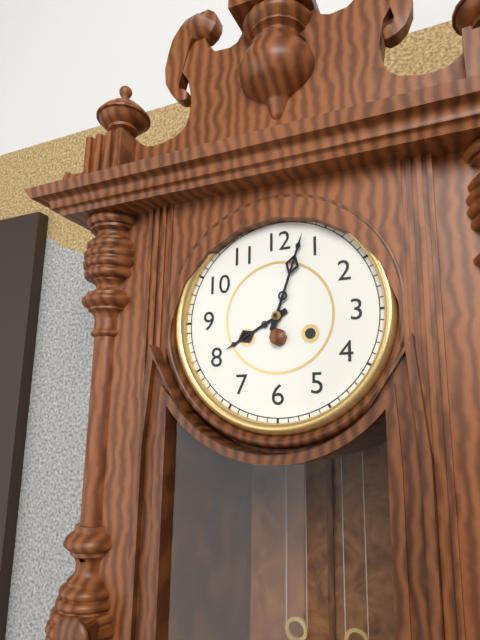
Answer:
{"hour": 8, "minute": 3}
